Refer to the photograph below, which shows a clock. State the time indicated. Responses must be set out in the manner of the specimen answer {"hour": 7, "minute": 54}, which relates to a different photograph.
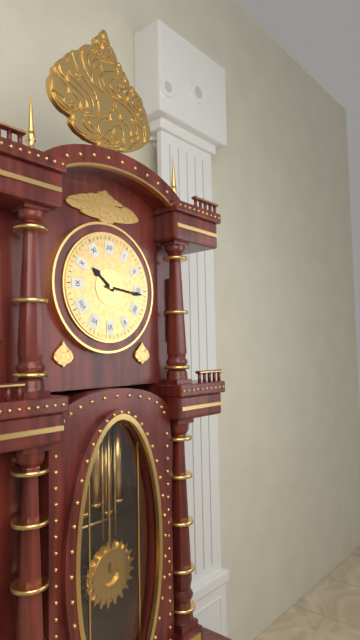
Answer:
{"hour": 10, "minute": 16}
